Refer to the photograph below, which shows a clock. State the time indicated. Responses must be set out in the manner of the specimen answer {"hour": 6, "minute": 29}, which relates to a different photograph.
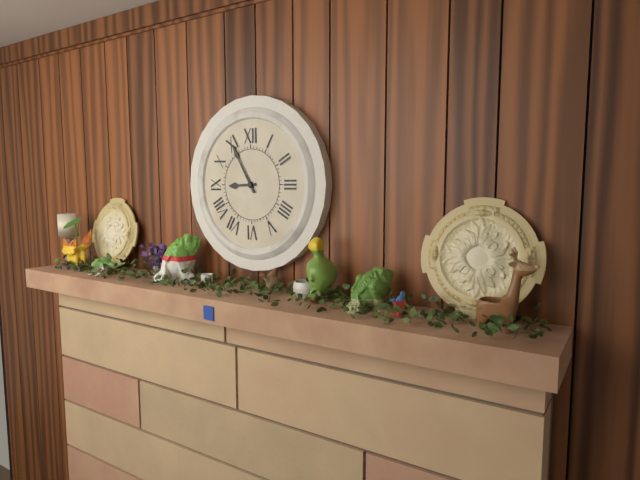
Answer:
{"hour": 8, "minute": 55}
